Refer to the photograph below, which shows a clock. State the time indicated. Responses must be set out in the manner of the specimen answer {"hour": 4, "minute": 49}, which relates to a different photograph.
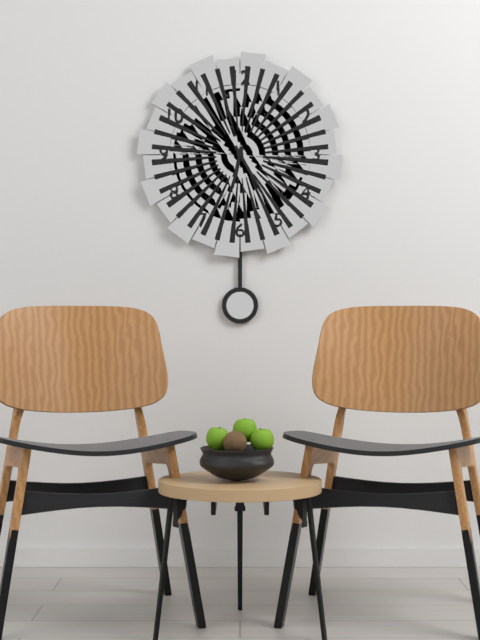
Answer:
{"hour": 6, "minute": 25}
